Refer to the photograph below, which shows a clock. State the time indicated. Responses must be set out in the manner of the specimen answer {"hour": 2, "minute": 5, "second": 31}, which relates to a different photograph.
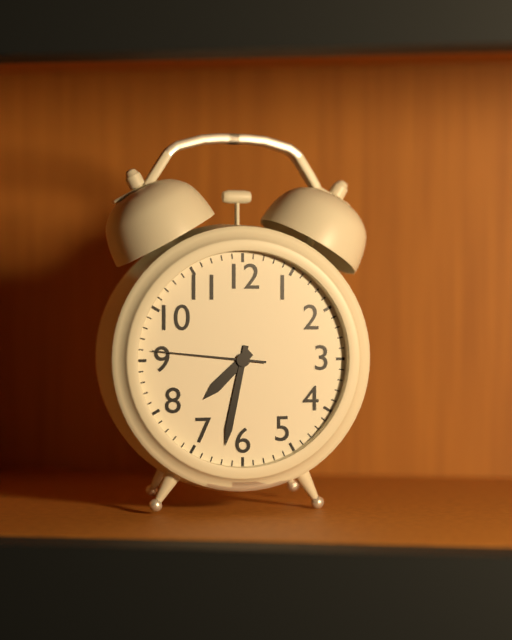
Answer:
{"hour": 7, "minute": 32, "second": 46}
